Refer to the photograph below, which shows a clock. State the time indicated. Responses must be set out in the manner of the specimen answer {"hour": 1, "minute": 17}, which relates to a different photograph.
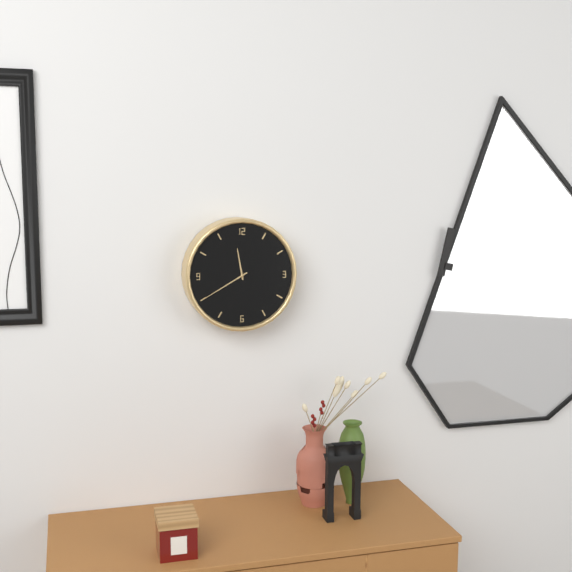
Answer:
{"hour": 11, "minute": 40}
